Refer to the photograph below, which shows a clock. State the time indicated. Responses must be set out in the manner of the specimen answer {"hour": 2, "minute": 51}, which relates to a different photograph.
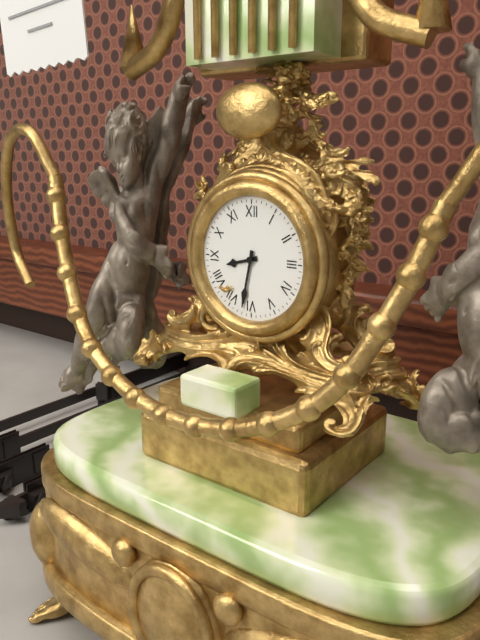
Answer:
{"hour": 8, "minute": 32}
